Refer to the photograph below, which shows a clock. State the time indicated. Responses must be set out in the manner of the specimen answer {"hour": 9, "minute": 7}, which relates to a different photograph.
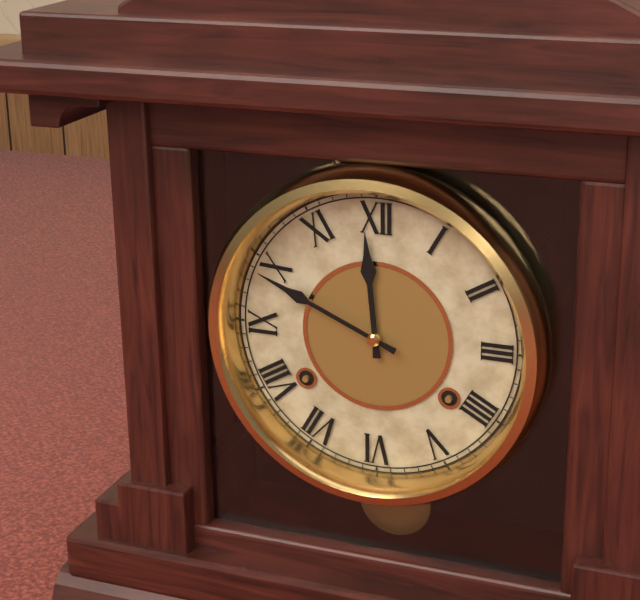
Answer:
{"hour": 11, "minute": 49}
